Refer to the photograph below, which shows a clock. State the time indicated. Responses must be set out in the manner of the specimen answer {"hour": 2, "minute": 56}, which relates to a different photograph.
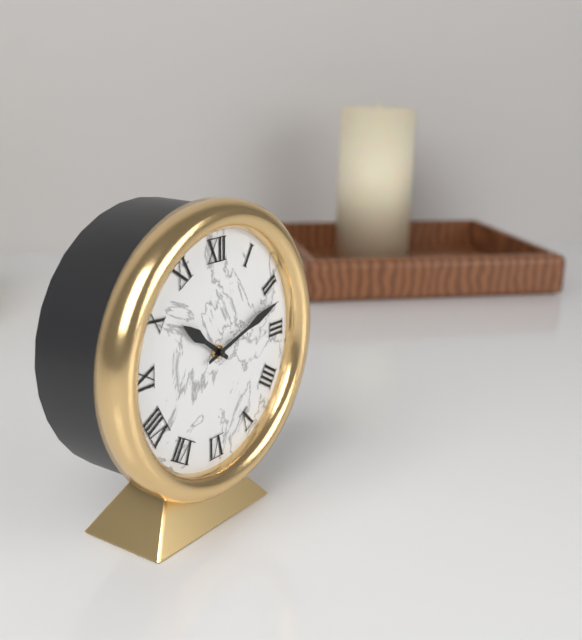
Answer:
{"hour": 10, "minute": 12}
